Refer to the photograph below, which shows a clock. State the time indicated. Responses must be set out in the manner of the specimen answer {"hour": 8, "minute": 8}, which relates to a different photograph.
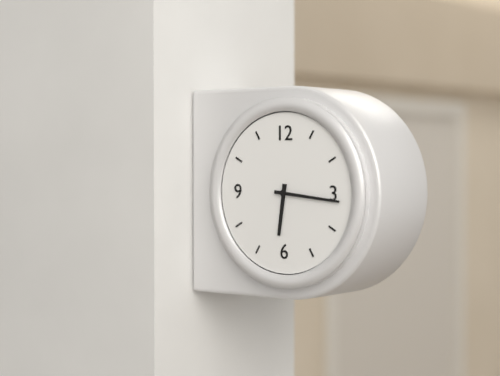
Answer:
{"hour": 6, "minute": 16}
